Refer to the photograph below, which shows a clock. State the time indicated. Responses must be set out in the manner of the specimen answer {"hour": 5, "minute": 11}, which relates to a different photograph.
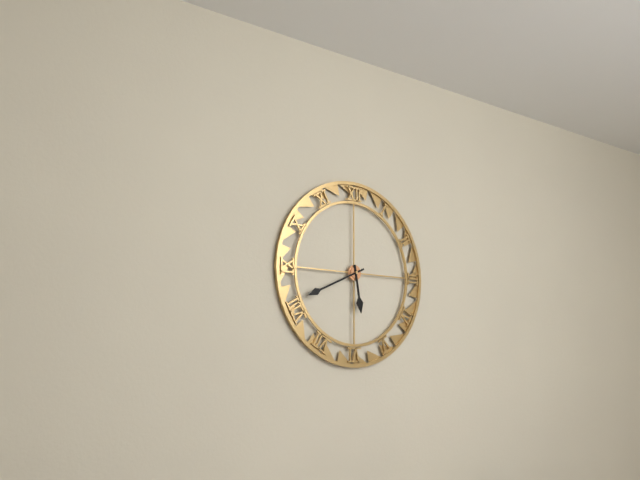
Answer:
{"hour": 5, "minute": 41}
